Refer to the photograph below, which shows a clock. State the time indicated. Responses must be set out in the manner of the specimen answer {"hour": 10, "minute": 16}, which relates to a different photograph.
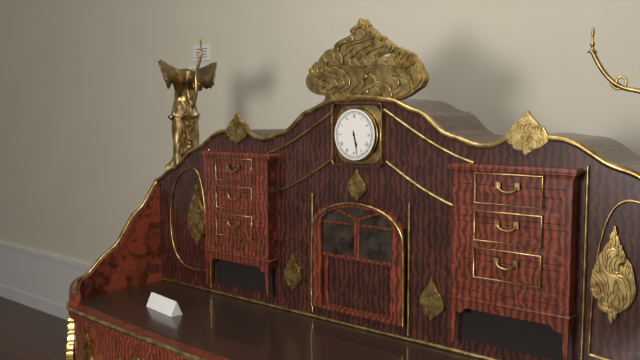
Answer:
{"hour": 5, "minute": 28}
